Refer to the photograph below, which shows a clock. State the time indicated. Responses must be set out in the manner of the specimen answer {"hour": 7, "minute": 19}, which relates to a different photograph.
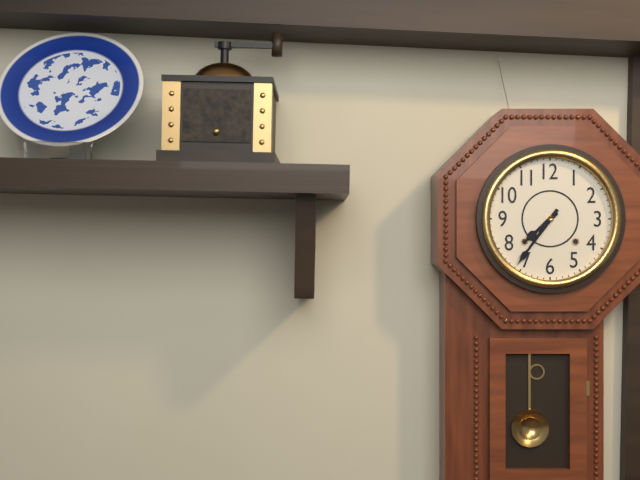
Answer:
{"hour": 7, "minute": 36}
